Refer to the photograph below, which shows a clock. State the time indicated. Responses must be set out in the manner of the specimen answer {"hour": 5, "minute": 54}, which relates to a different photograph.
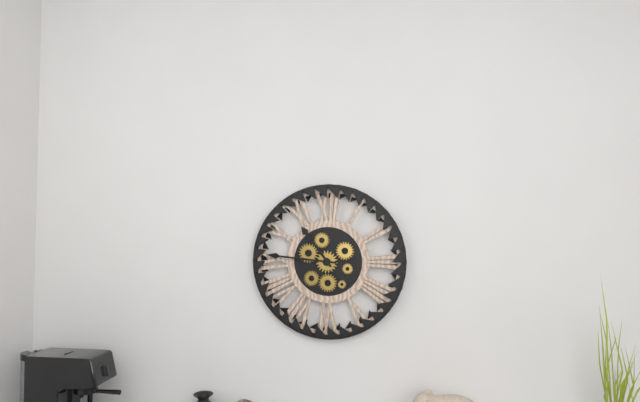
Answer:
{"hour": 10, "minute": 46}
